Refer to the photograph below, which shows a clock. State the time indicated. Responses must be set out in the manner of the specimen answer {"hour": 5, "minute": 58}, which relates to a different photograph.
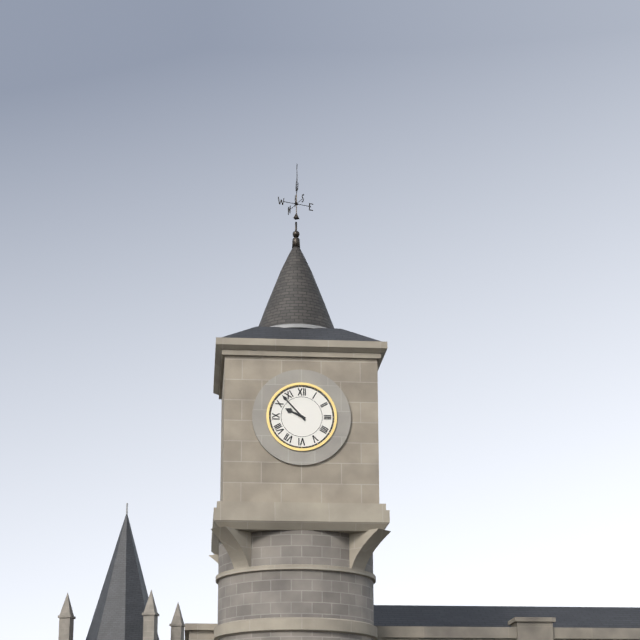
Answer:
{"hour": 9, "minute": 53}
